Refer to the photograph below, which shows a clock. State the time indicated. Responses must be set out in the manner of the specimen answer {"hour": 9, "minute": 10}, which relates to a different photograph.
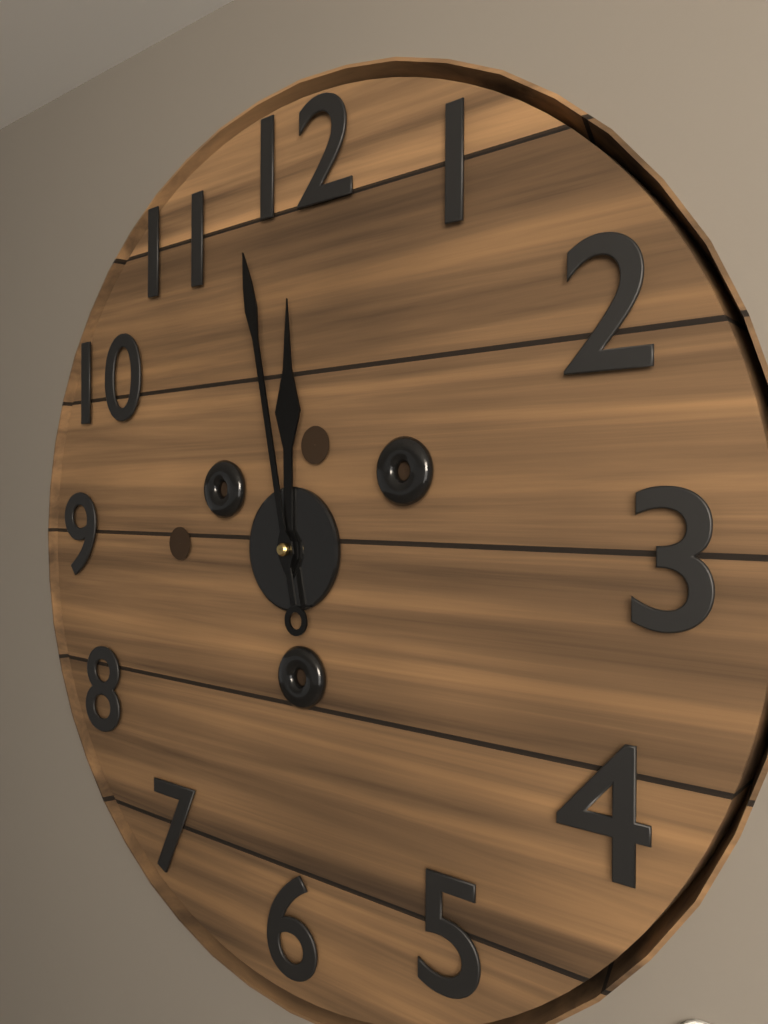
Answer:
{"hour": 11, "minute": 58}
